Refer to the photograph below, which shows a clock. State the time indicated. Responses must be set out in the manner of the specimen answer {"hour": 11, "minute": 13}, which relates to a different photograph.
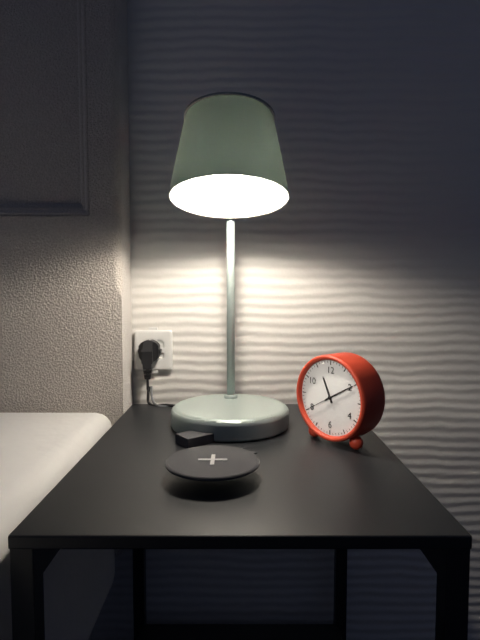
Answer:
{"hour": 11, "minute": 10}
